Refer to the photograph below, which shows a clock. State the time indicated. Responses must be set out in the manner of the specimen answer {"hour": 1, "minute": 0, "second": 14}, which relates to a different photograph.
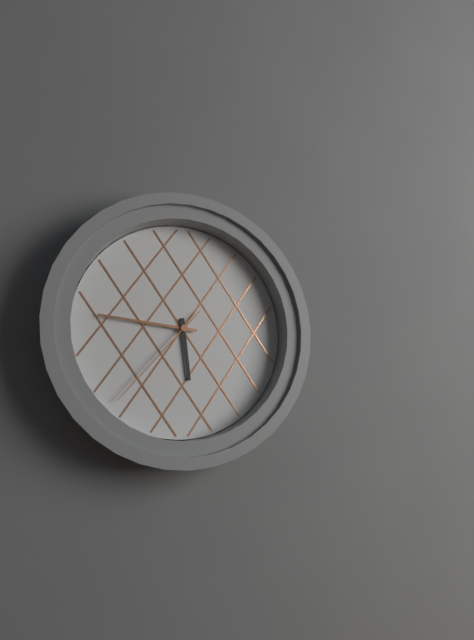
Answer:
{"hour": 5, "minute": 46, "second": 37}
